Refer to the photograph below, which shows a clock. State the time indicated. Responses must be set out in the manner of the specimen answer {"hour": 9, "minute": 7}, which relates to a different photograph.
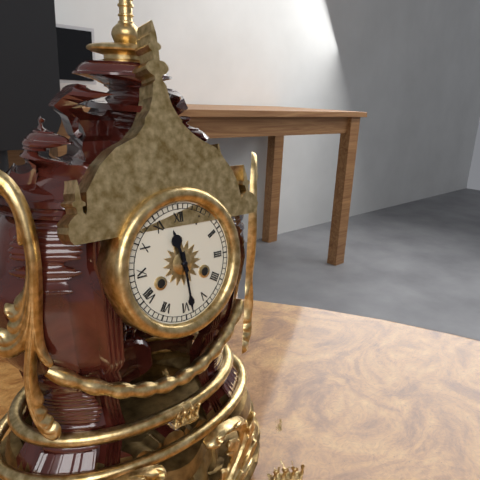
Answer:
{"hour": 11, "minute": 29}
